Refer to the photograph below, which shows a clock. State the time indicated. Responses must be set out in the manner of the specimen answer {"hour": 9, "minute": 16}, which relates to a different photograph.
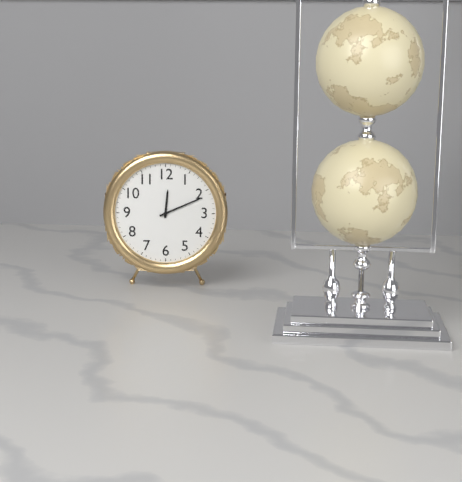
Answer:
{"hour": 12, "minute": 11}
